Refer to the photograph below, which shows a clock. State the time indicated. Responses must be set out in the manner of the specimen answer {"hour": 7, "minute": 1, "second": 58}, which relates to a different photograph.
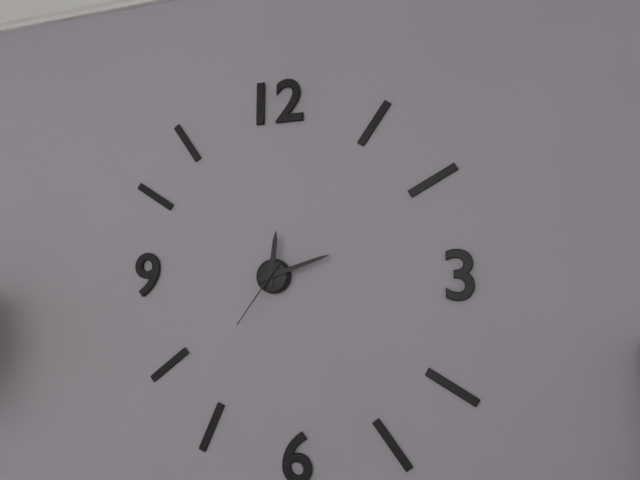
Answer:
{"hour": 12, "minute": 12, "second": 36}
